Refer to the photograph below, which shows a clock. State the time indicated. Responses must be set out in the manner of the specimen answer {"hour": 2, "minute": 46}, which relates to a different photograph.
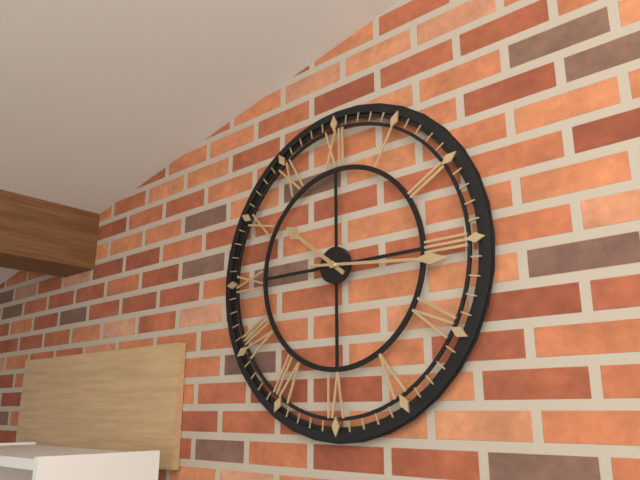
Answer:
{"hour": 10, "minute": 16}
